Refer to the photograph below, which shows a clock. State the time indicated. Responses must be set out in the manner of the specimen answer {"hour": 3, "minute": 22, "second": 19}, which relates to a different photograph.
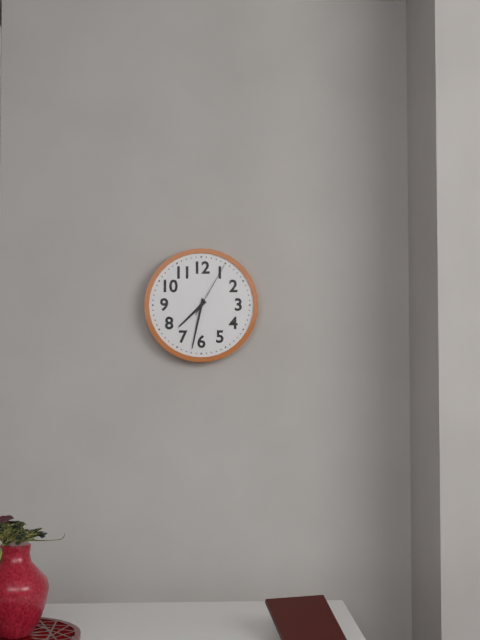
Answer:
{"hour": 7, "minute": 32, "second": 5}
